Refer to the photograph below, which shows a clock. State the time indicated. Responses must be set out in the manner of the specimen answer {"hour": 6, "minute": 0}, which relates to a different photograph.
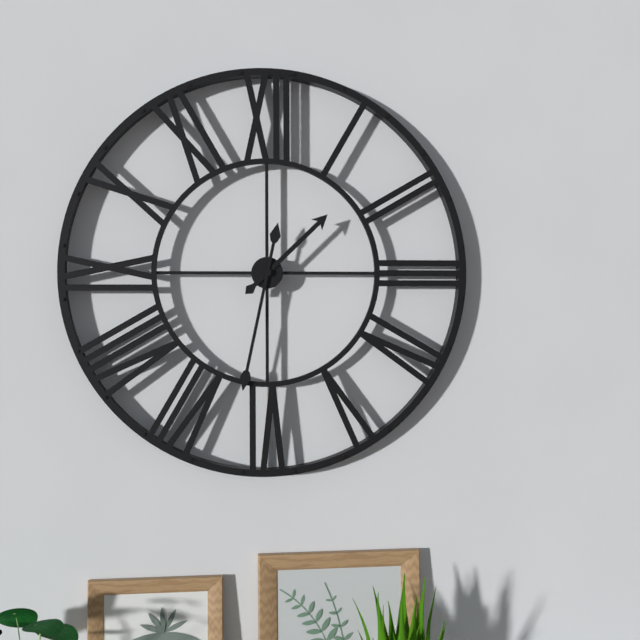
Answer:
{"hour": 1, "minute": 32}
